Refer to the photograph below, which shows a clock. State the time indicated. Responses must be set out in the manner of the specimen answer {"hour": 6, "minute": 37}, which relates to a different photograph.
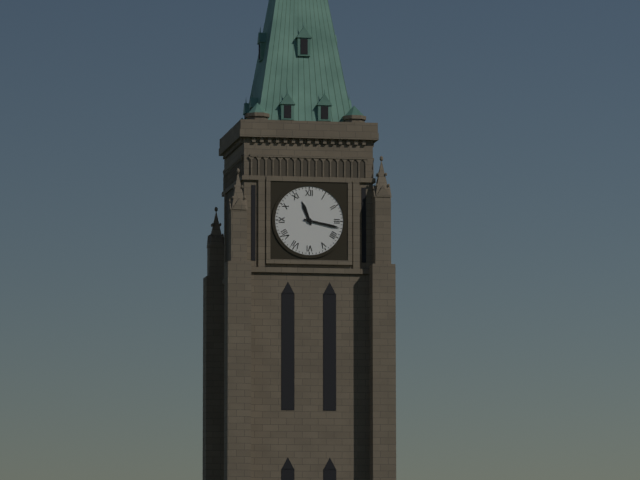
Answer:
{"hour": 11, "minute": 17}
